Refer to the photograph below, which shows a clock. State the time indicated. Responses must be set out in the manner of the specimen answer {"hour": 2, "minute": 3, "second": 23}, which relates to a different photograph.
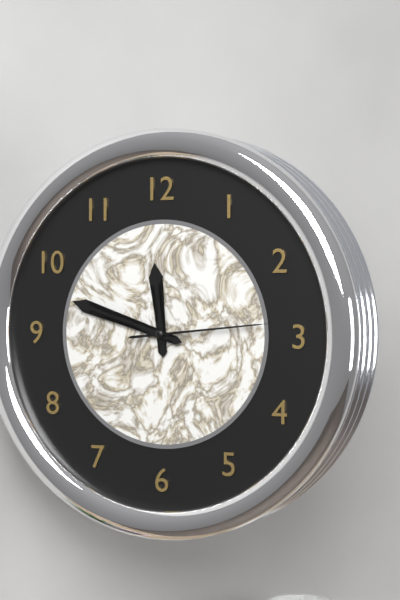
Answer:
{"hour": 11, "minute": 48, "second": 14}
